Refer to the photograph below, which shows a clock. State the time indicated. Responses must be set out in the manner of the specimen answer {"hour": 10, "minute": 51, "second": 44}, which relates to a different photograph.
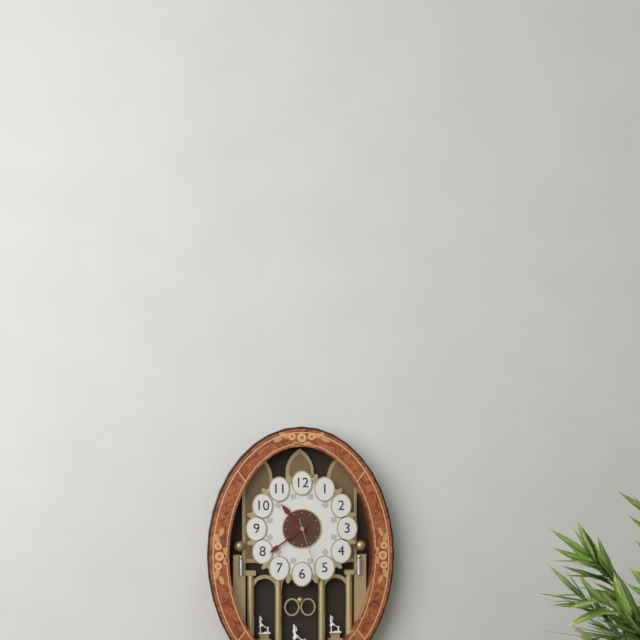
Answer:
{"hour": 10, "minute": 39, "second": 27}
